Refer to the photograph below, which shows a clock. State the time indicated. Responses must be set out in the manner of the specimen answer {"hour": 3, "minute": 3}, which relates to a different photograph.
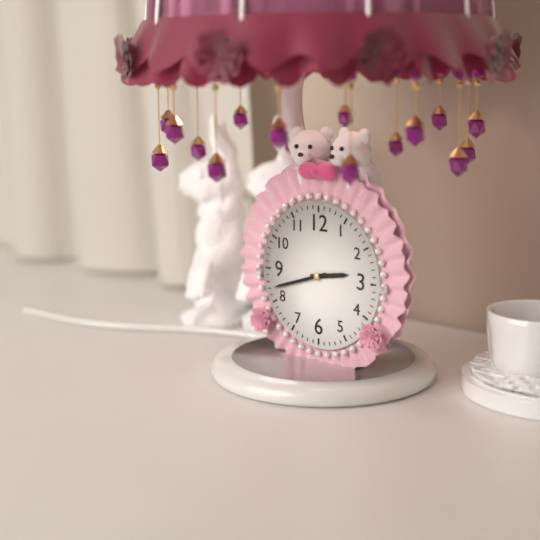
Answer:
{"hour": 2, "minute": 42}
